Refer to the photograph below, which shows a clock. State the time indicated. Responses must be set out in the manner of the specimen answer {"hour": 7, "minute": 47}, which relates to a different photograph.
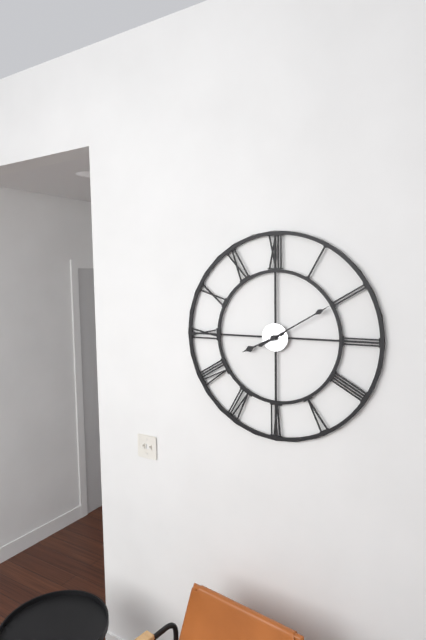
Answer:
{"hour": 8, "minute": 10}
